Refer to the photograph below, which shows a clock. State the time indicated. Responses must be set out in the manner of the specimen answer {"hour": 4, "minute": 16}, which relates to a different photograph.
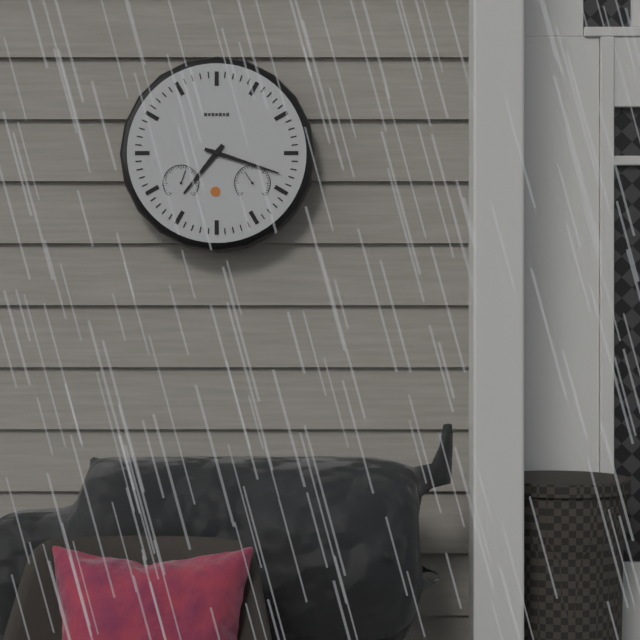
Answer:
{"hour": 7, "minute": 18}
